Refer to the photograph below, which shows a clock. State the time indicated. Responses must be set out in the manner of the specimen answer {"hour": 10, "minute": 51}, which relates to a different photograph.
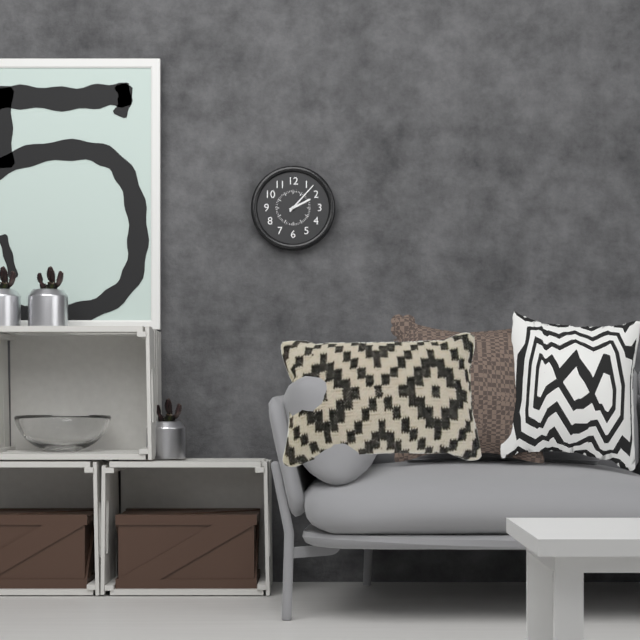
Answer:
{"hour": 2, "minute": 7}
